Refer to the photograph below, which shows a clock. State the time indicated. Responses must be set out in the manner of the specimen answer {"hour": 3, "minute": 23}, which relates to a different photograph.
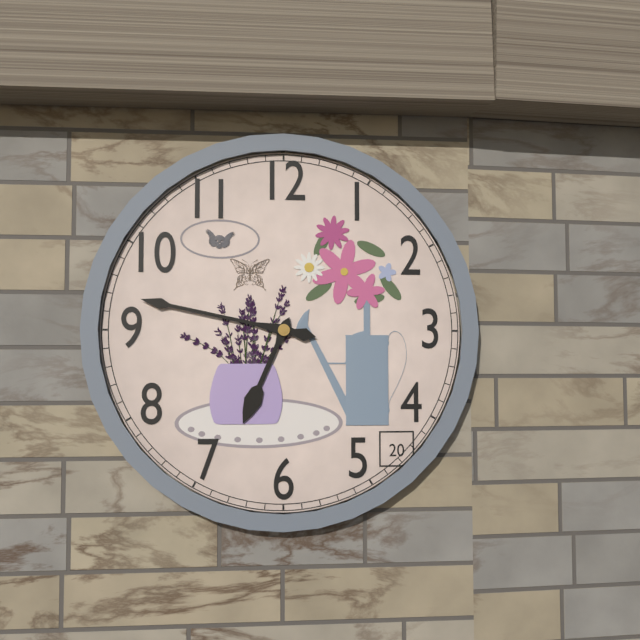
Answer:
{"hour": 6, "minute": 47}
